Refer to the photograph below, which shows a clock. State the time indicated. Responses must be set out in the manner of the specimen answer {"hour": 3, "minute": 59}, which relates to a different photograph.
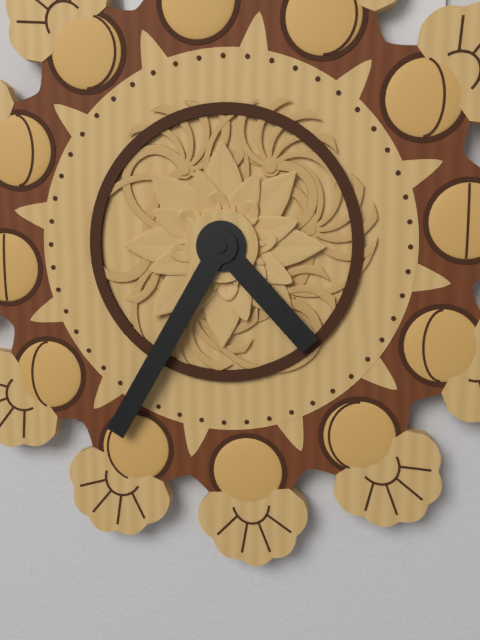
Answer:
{"hour": 4, "minute": 35}
